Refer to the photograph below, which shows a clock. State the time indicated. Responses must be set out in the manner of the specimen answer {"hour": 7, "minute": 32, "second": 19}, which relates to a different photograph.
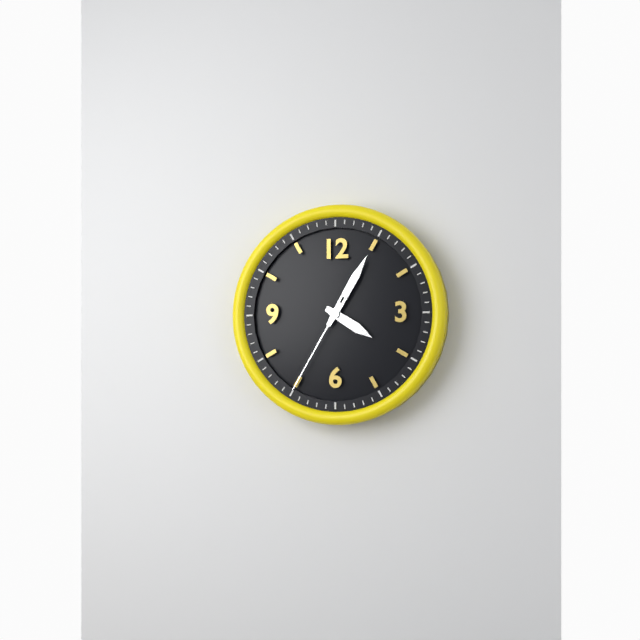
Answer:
{"hour": 4, "minute": 5, "second": 35}
